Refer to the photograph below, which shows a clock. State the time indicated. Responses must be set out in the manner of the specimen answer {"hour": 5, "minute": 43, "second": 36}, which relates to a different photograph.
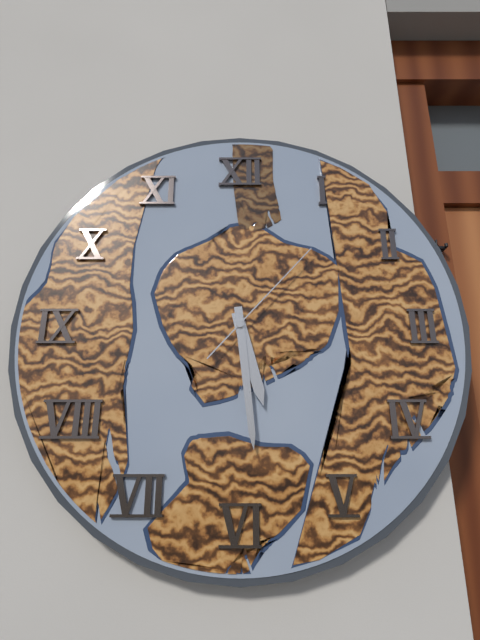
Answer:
{"hour": 5, "minute": 29, "second": 7}
